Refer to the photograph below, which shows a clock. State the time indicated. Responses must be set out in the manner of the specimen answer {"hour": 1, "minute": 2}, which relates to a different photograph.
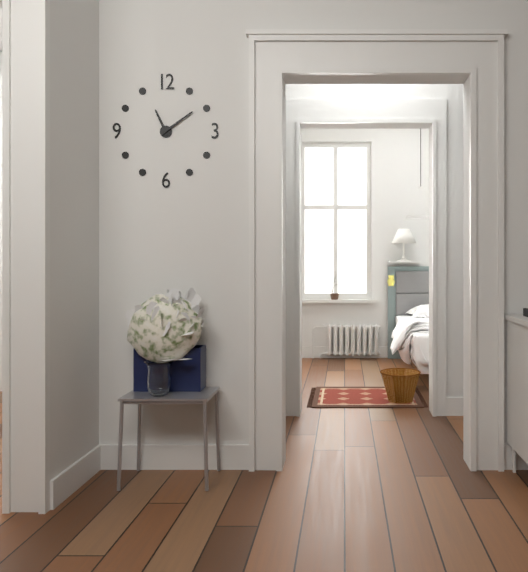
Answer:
{"hour": 11, "minute": 9}
